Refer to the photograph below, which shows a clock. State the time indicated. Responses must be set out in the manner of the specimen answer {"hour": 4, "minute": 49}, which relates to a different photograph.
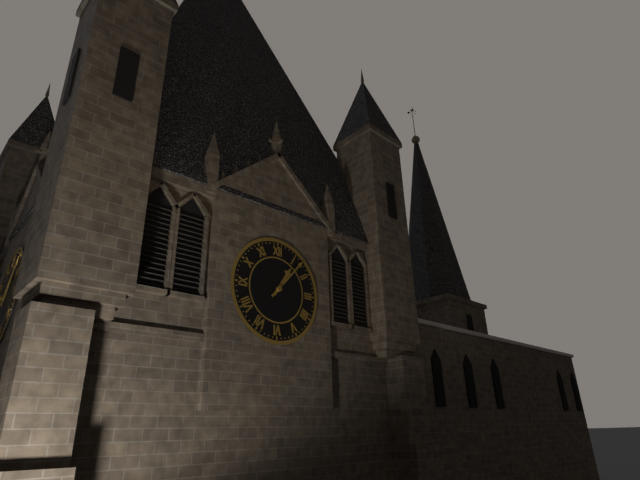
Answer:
{"hour": 1, "minute": 7}
